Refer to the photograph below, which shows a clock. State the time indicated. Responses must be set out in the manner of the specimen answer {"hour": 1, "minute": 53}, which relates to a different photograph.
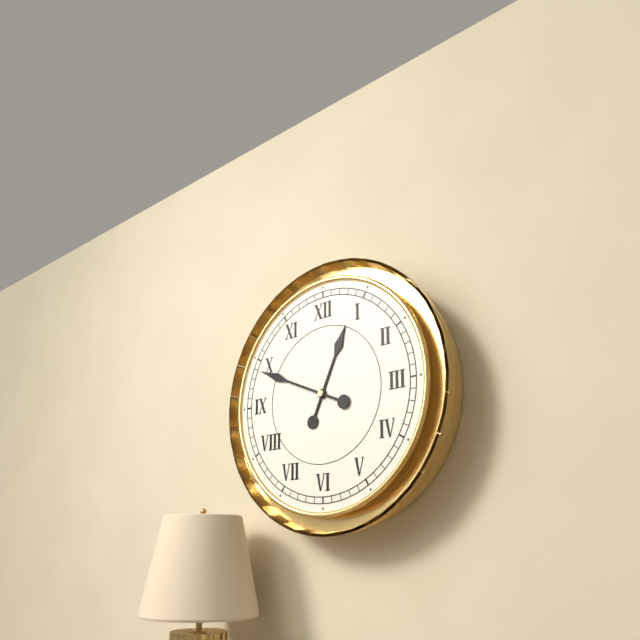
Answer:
{"hour": 12, "minute": 49}
